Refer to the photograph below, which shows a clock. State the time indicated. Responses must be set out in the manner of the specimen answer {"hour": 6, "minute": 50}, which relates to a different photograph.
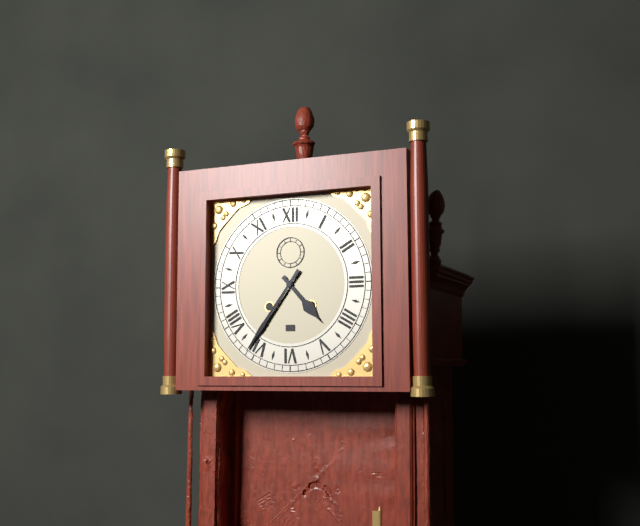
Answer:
{"hour": 4, "minute": 36}
